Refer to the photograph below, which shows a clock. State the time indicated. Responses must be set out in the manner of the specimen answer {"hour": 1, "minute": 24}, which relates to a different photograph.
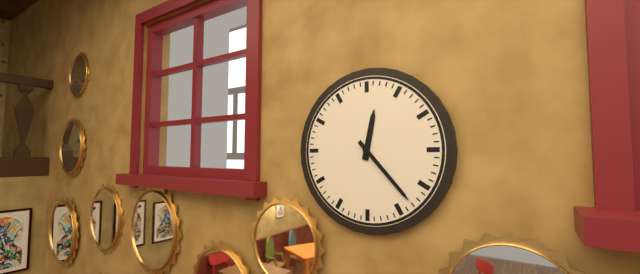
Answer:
{"hour": 12, "minute": 23}
